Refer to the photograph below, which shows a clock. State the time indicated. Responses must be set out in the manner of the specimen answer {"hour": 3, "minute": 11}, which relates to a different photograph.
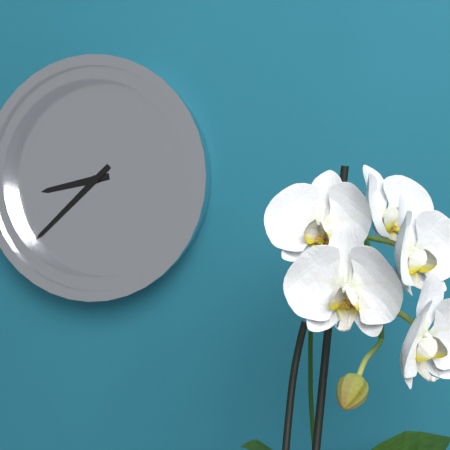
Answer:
{"hour": 8, "minute": 38}
